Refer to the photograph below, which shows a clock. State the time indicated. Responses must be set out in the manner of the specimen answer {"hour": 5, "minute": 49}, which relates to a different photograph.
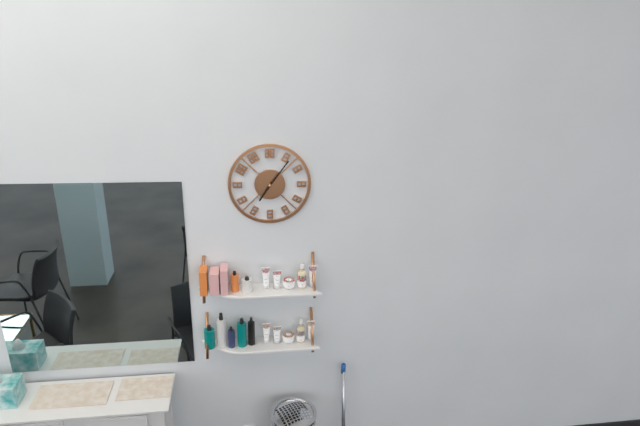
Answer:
{"hour": 7, "minute": 6}
